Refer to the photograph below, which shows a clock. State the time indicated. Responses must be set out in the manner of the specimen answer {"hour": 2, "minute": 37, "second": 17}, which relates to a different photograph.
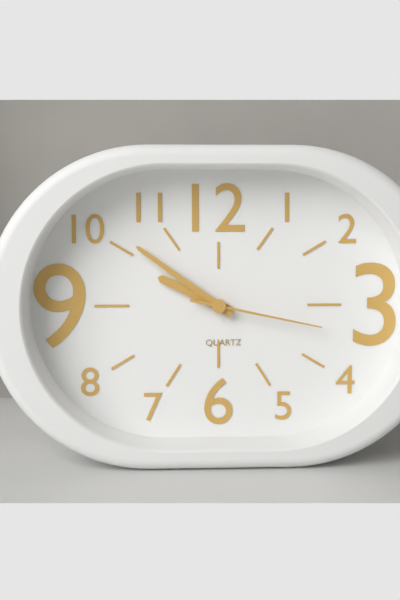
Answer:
{"hour": 9, "minute": 51, "second": 17}
